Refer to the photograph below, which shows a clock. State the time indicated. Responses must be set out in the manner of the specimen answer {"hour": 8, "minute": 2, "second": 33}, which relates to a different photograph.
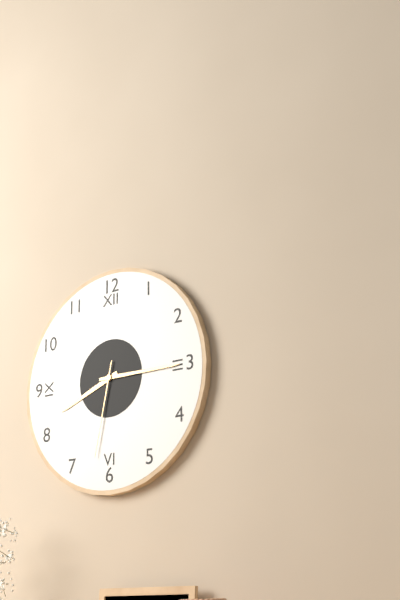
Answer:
{"hour": 8, "minute": 15, "second": 32}
